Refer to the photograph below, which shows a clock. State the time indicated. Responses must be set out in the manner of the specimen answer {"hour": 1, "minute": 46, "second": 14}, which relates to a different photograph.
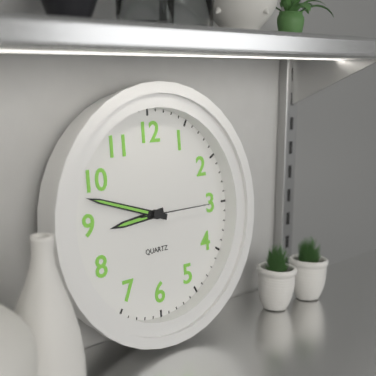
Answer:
{"hour": 8, "minute": 48, "second": 15}
